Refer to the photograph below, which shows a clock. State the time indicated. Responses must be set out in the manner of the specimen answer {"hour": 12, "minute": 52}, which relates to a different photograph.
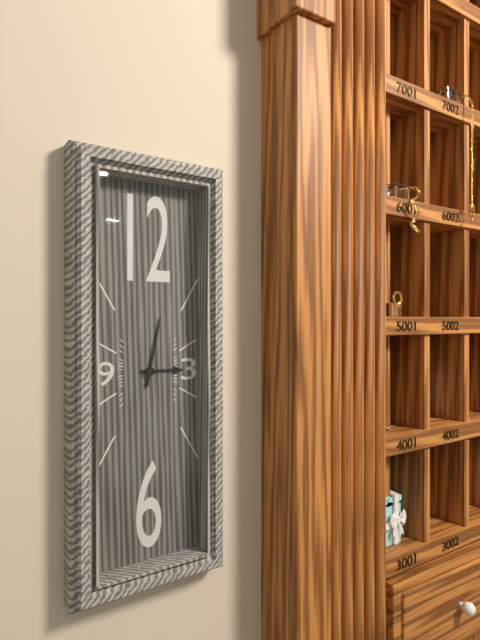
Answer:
{"hour": 3, "minute": 2}
